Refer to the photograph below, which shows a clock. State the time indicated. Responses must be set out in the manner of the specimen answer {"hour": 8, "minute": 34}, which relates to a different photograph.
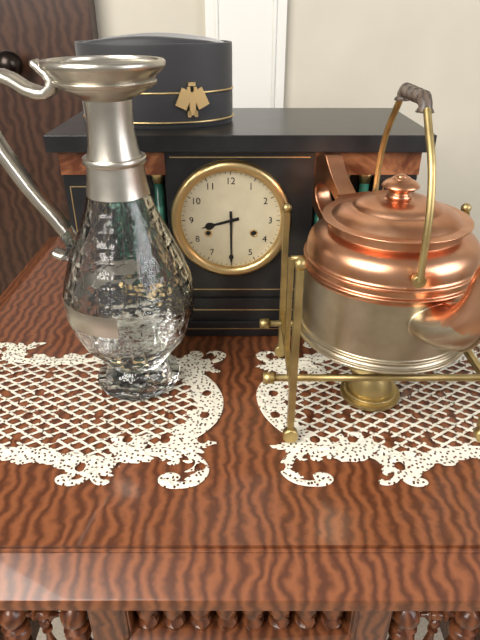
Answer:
{"hour": 8, "minute": 30}
